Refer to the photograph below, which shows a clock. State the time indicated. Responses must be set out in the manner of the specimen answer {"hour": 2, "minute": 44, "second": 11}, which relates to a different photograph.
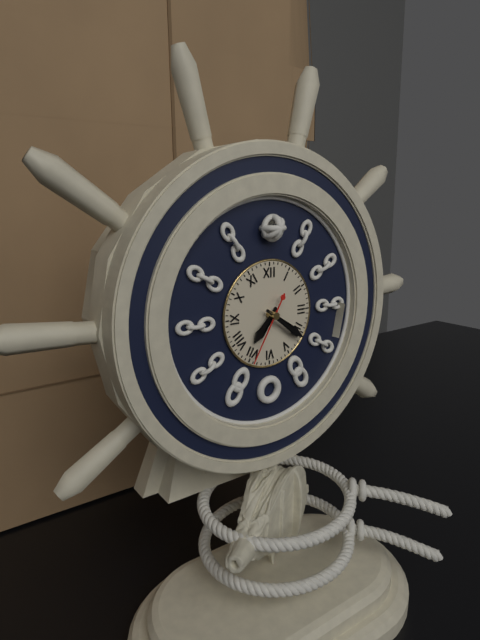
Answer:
{"hour": 7, "minute": 21, "second": 35}
